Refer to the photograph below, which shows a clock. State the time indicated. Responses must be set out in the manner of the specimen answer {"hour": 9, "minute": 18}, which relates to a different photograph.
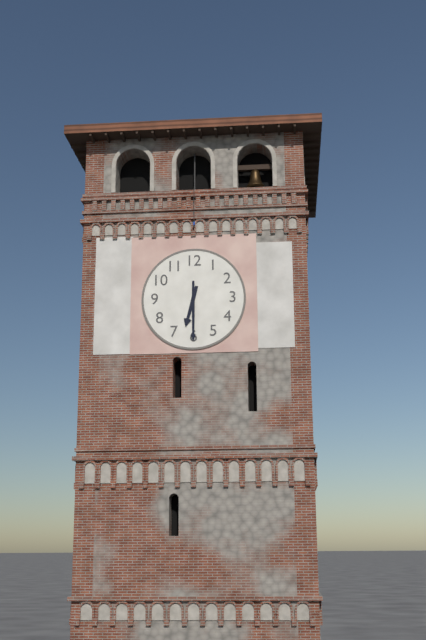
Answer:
{"hour": 6, "minute": 30}
